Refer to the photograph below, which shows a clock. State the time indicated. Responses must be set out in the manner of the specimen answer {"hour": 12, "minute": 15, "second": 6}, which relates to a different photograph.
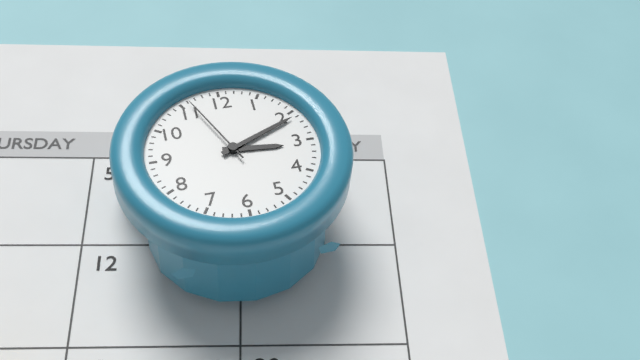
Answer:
{"hour": 3, "minute": 11, "second": 56}
